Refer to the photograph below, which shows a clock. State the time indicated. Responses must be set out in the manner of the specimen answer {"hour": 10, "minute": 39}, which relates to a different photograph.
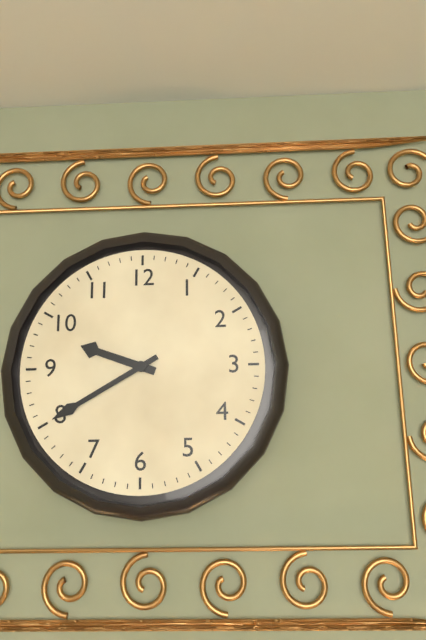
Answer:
{"hour": 9, "minute": 40}
